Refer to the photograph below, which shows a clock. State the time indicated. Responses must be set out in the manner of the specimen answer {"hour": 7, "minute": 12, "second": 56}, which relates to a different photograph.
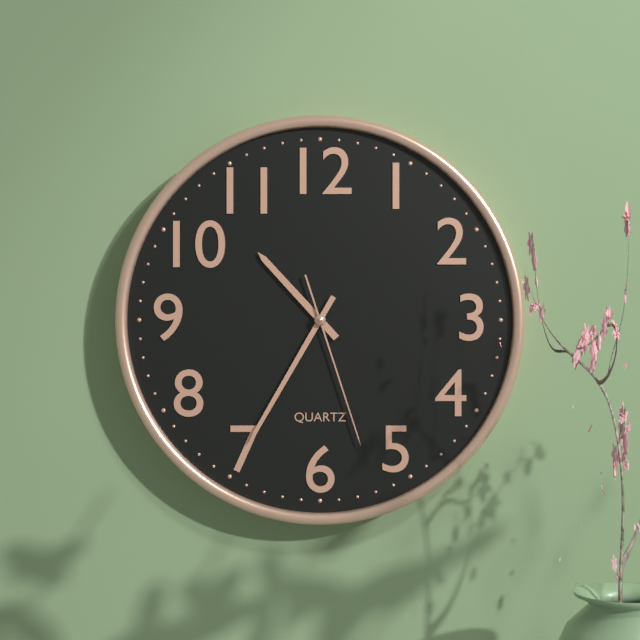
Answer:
{"hour": 10, "minute": 35, "second": 27}
